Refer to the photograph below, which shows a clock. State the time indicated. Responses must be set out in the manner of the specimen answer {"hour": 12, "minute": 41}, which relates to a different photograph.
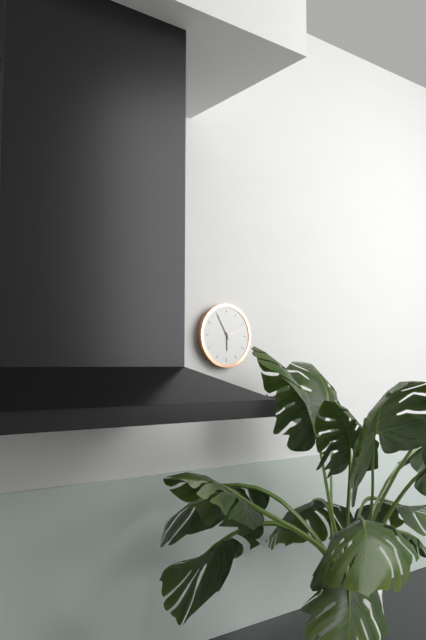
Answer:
{"hour": 5, "minute": 55}
